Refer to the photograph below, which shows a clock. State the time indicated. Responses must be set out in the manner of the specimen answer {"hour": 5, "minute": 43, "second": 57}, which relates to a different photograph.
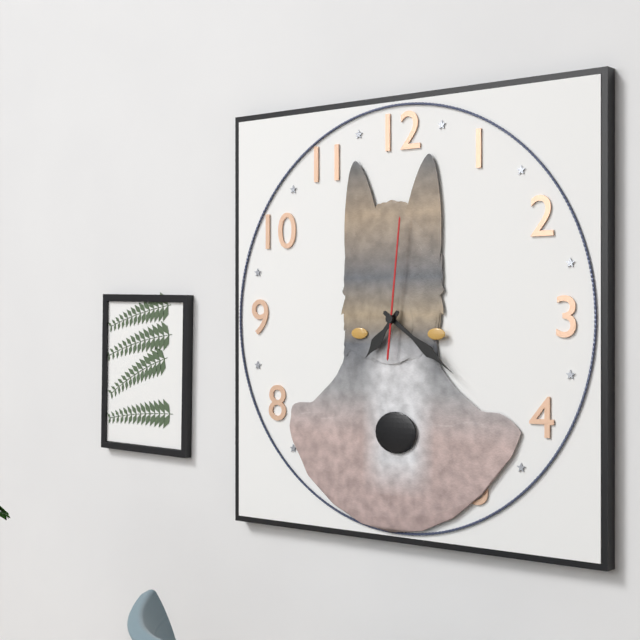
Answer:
{"hour": 7, "minute": 21, "second": 1}
